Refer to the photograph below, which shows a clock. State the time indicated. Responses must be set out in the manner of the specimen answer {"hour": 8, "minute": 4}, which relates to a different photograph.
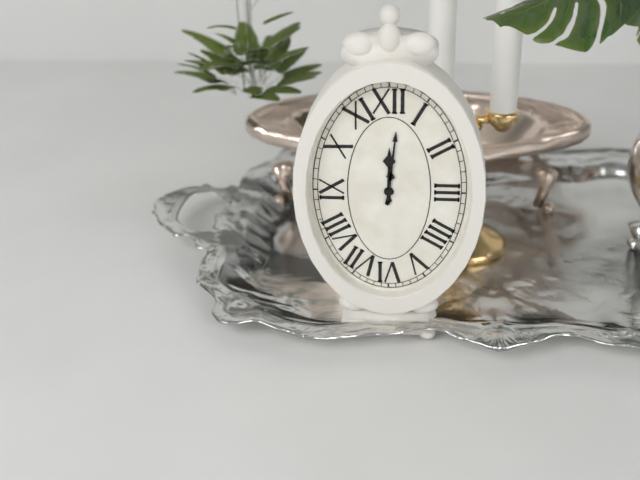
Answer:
{"hour": 12, "minute": 1}
